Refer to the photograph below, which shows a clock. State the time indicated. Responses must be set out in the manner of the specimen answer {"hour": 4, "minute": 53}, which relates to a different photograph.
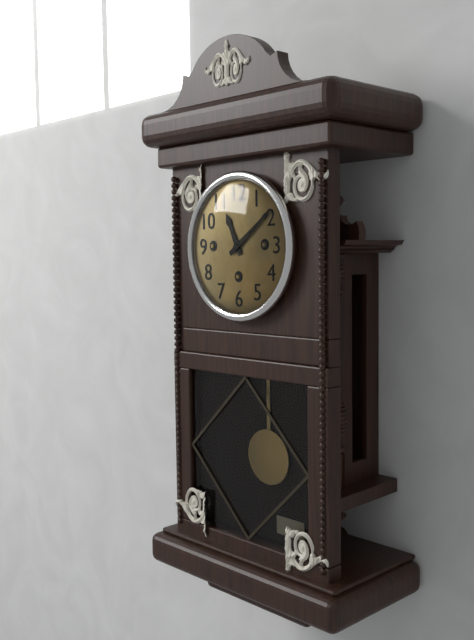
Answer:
{"hour": 11, "minute": 9}
